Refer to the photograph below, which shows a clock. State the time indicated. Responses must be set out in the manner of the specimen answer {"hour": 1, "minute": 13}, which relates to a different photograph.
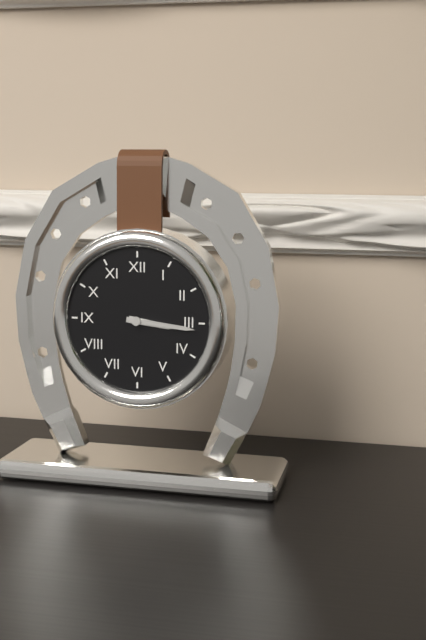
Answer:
{"hour": 3, "minute": 16}
